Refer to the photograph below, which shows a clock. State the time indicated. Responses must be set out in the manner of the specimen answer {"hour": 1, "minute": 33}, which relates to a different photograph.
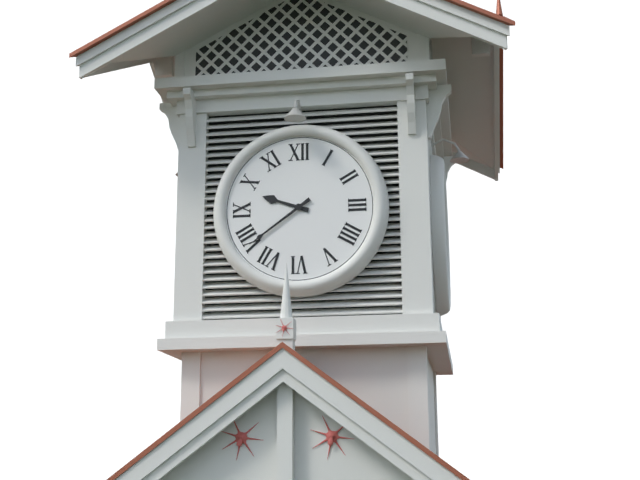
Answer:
{"hour": 9, "minute": 39}
